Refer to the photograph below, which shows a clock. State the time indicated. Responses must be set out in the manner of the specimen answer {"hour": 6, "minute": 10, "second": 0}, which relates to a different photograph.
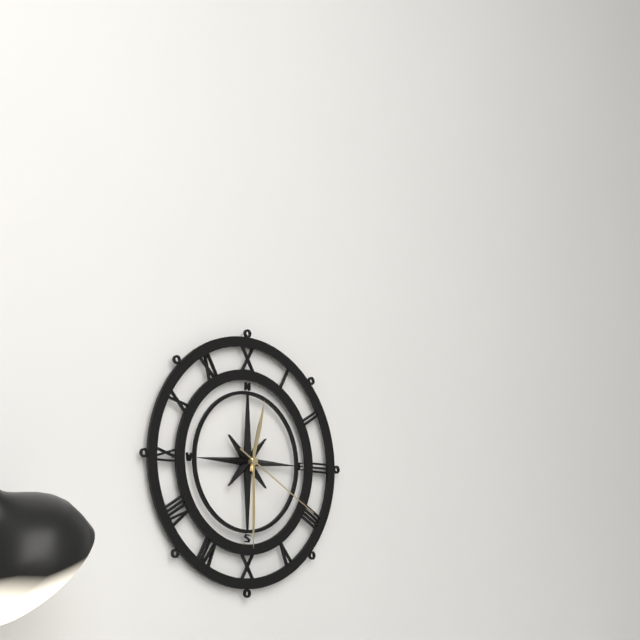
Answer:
{"hour": 12, "minute": 30, "second": 20}
